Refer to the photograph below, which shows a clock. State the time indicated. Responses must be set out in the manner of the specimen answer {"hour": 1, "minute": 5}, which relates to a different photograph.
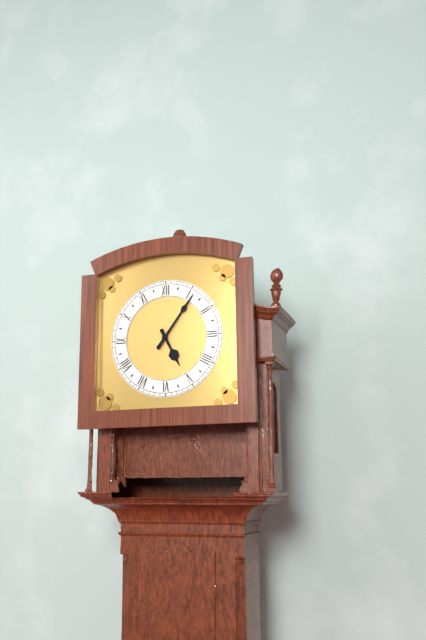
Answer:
{"hour": 5, "minute": 6}
